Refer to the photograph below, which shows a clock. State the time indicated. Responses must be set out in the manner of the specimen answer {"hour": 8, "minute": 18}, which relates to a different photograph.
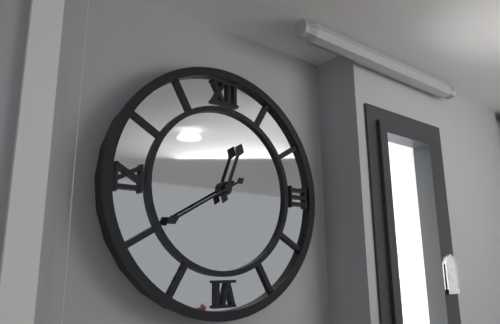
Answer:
{"hour": 12, "minute": 40}
